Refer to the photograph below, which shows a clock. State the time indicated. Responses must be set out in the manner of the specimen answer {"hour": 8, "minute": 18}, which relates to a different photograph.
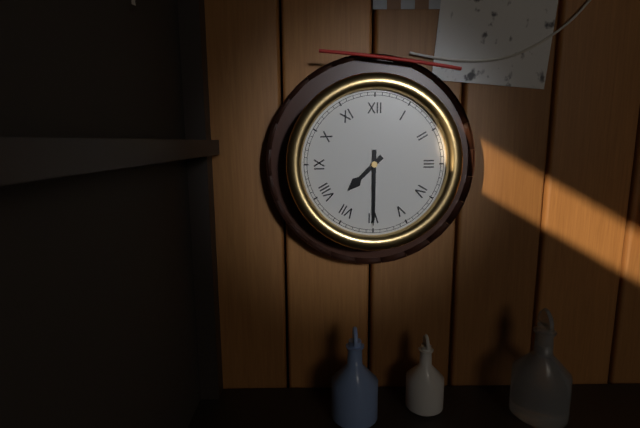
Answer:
{"hour": 7, "minute": 30}
